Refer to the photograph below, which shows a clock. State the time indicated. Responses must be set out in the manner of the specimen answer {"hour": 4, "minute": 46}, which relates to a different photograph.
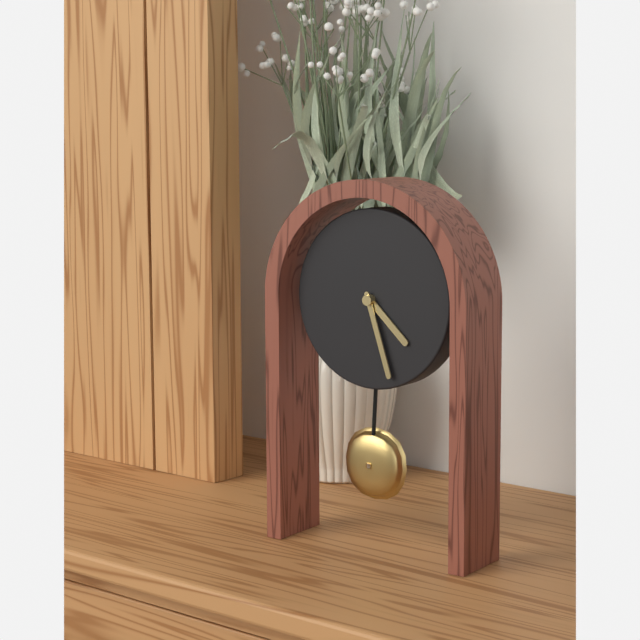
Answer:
{"hour": 4, "minute": 27}
